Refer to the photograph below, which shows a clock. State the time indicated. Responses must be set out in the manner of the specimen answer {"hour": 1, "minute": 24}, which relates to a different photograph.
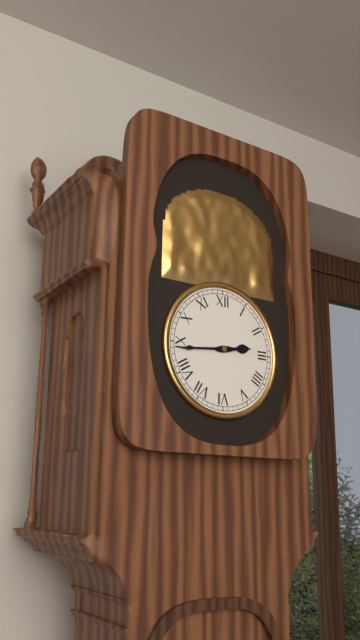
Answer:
{"hour": 2, "minute": 44}
